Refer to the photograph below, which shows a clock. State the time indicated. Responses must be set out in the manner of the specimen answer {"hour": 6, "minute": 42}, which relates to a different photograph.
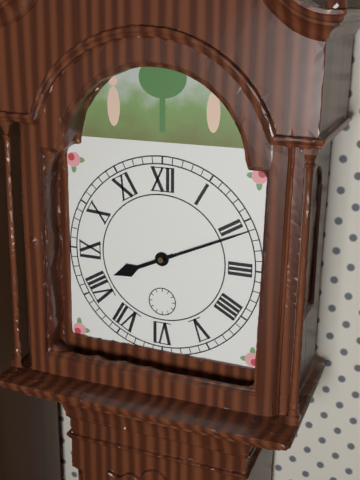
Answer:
{"hour": 8, "minute": 11}
